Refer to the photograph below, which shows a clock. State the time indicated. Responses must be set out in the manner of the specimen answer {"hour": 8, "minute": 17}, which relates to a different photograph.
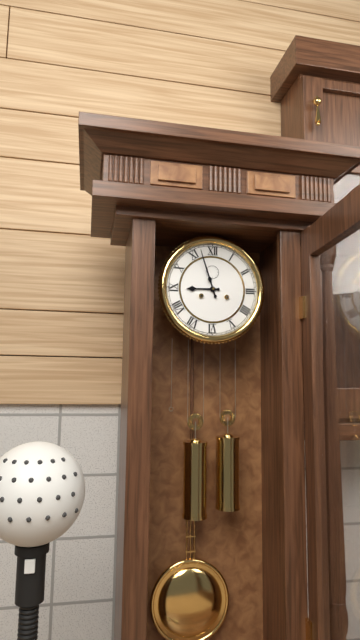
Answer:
{"hour": 8, "minute": 57}
